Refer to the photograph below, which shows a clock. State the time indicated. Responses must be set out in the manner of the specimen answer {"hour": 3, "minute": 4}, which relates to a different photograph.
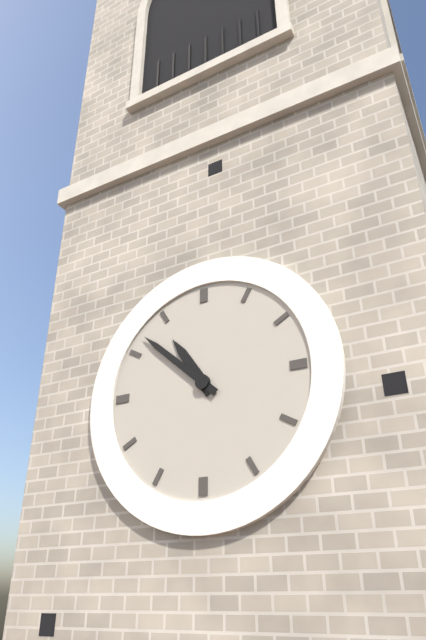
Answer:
{"hour": 10, "minute": 52}
